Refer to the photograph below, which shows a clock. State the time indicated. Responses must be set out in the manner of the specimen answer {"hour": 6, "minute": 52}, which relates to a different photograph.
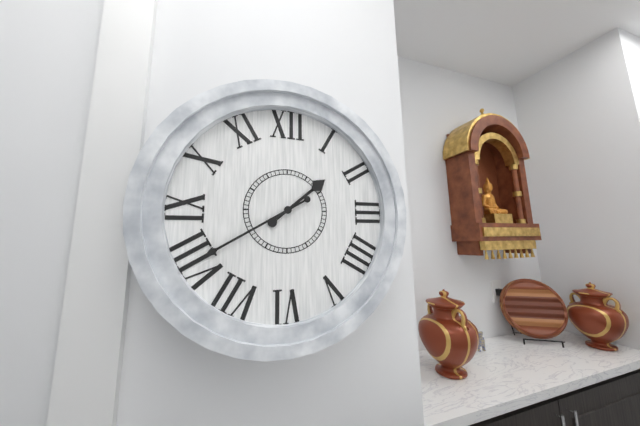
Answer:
{"hour": 1, "minute": 40}
